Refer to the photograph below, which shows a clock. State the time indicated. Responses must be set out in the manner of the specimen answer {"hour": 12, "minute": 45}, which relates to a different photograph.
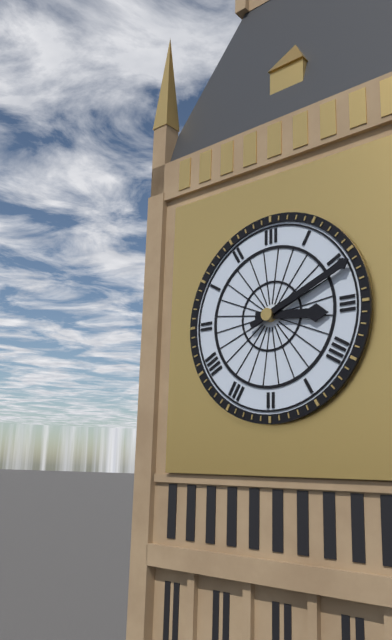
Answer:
{"hour": 3, "minute": 11}
